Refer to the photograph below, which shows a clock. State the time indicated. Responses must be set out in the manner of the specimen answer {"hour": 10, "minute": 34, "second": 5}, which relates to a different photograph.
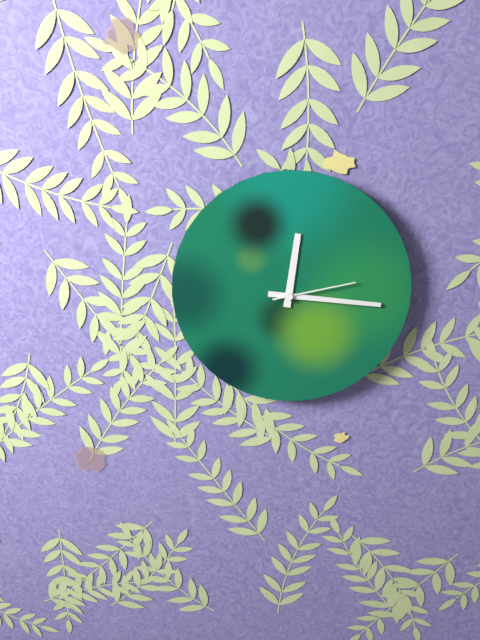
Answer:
{"hour": 12, "minute": 16, "second": 13}
